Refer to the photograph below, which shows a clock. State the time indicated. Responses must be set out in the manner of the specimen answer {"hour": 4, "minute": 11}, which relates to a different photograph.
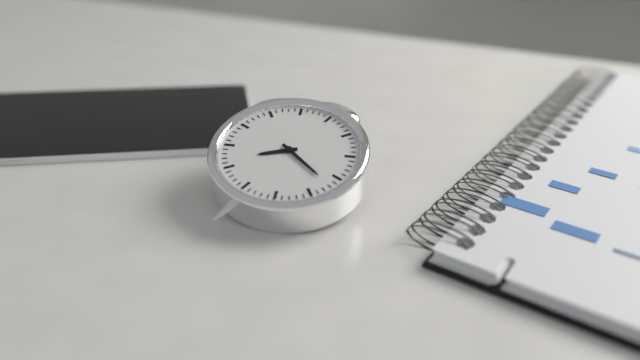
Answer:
{"hour": 8, "minute": 22}
